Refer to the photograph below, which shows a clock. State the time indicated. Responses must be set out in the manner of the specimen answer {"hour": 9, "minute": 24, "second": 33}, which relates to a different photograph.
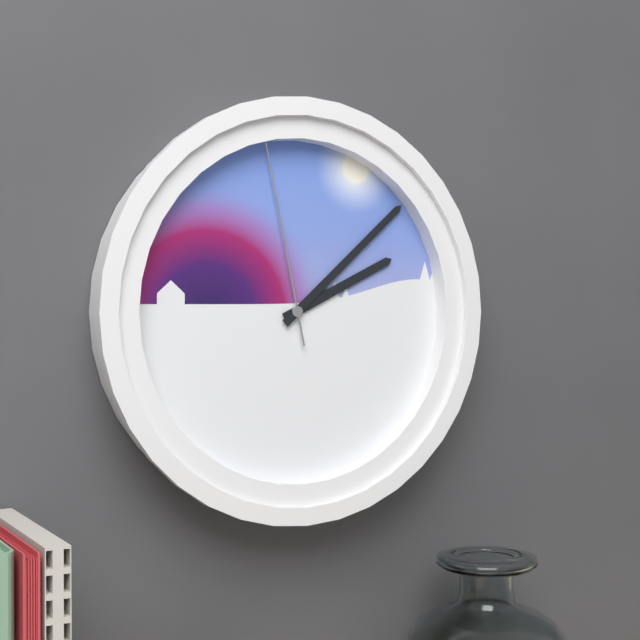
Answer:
{"hour": 2, "minute": 8, "second": 58}
